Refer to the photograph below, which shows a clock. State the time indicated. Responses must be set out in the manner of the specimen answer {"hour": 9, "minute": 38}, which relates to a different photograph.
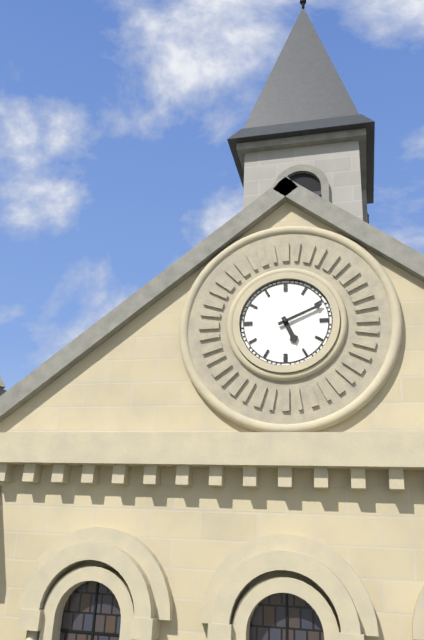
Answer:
{"hour": 5, "minute": 11}
